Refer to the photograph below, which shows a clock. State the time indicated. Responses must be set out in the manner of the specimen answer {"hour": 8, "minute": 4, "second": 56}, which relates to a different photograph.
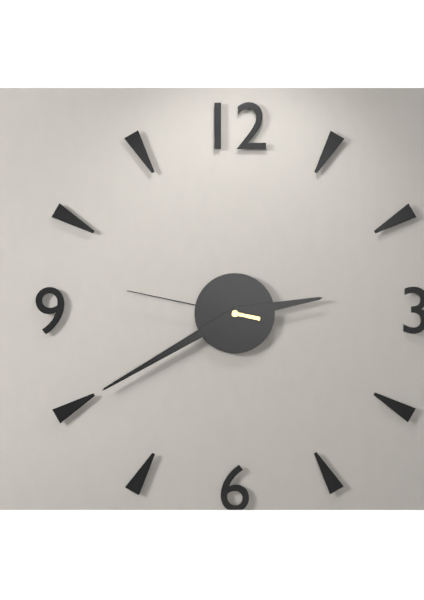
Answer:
{"hour": 2, "minute": 40, "second": 47}
